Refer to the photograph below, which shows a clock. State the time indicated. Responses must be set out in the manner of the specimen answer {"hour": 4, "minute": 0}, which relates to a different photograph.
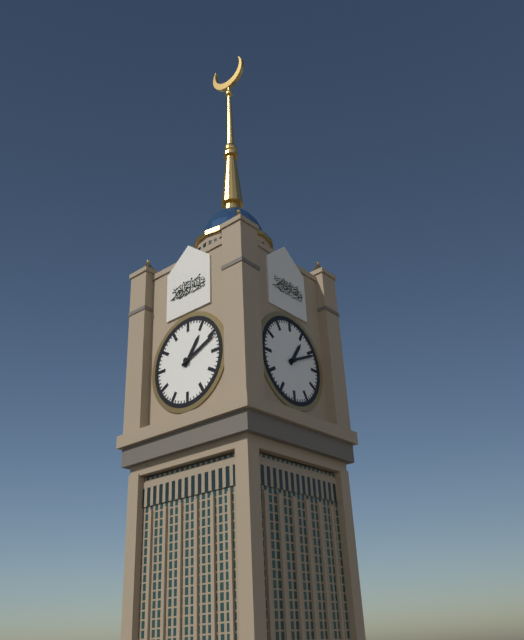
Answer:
{"hour": 1, "minute": 11}
